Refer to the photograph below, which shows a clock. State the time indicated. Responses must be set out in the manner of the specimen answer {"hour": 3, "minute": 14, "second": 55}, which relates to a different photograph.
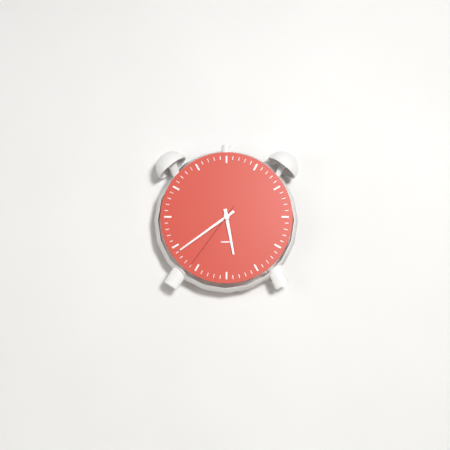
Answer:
{"hour": 5, "minute": 39, "second": 36}
